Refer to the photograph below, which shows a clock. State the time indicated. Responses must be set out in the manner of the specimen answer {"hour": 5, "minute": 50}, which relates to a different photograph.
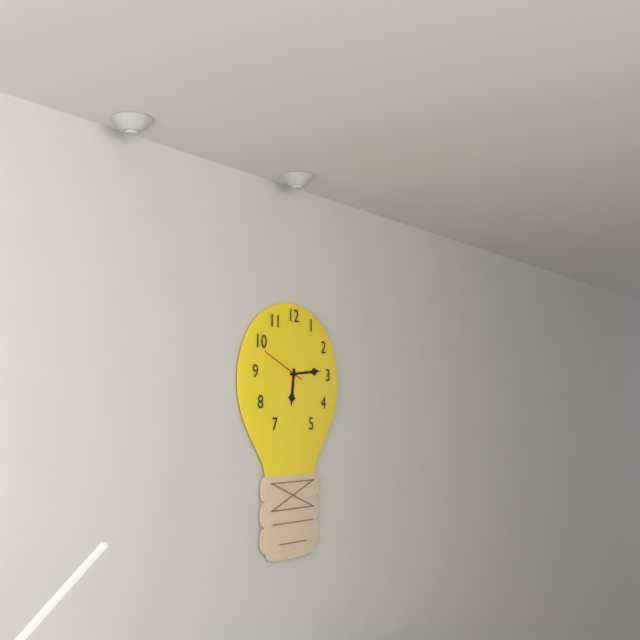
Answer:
{"hour": 6, "minute": 14}
